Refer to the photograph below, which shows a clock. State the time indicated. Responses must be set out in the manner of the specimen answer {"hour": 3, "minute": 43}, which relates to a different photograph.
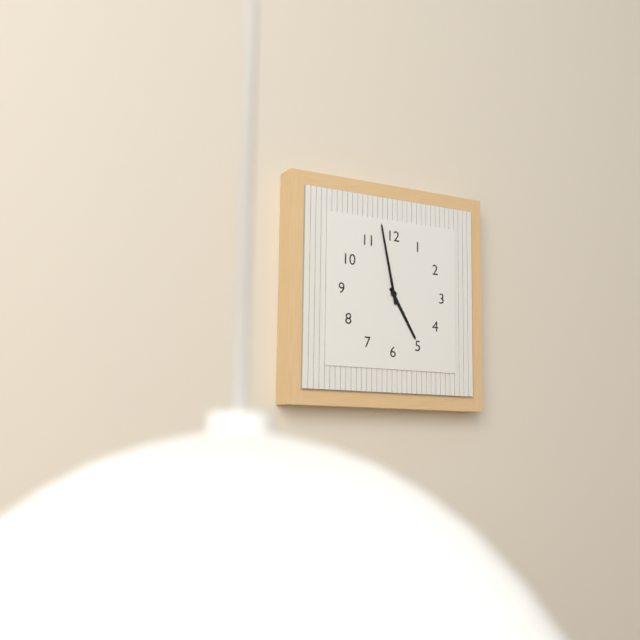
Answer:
{"hour": 4, "minute": 58}
